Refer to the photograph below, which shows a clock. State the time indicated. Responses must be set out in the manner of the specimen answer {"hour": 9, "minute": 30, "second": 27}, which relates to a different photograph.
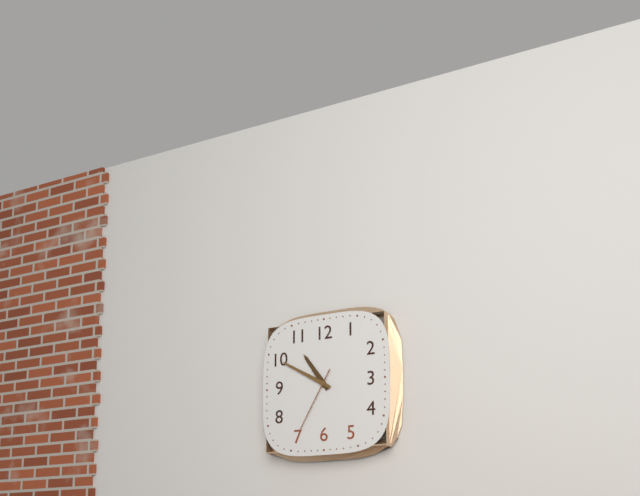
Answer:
{"hour": 10, "minute": 50, "second": 35}
